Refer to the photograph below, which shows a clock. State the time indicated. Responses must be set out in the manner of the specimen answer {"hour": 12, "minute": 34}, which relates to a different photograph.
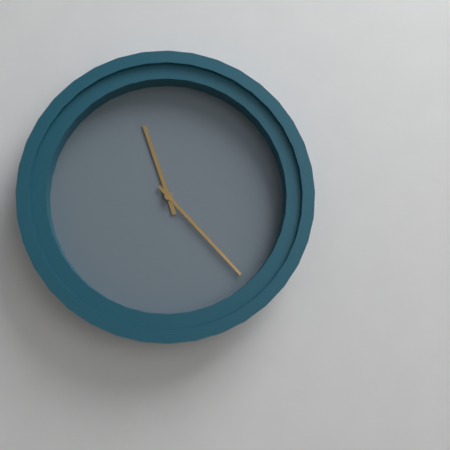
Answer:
{"hour": 11, "minute": 23}
